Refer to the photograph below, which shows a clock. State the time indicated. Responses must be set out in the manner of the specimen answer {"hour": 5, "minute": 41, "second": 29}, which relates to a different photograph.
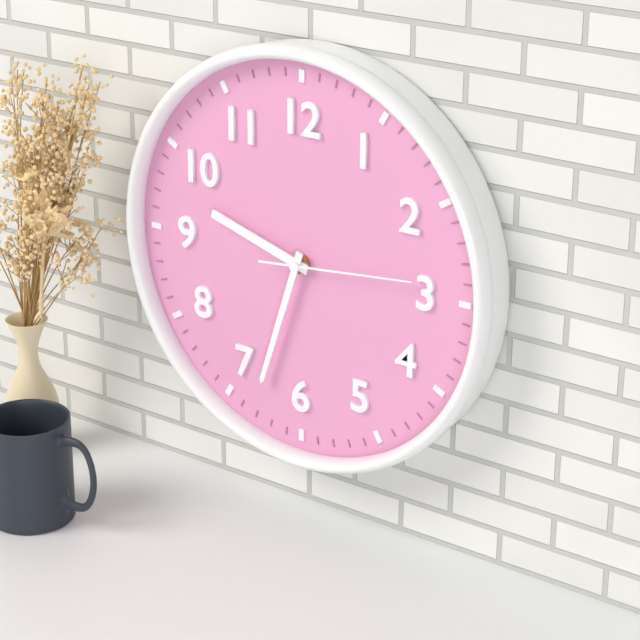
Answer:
{"hour": 9, "minute": 33, "second": 14}
